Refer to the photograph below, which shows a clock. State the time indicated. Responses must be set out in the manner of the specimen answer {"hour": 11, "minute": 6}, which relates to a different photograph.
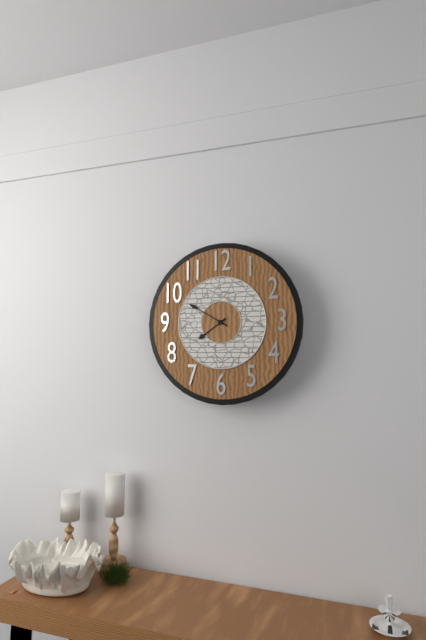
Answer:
{"hour": 7, "minute": 50}
